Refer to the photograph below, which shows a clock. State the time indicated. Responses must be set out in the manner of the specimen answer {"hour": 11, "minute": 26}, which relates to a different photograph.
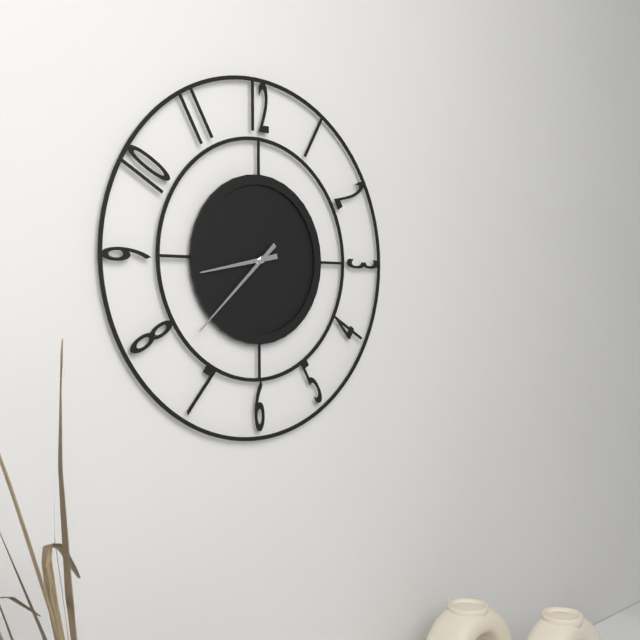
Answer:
{"hour": 8, "minute": 38}
